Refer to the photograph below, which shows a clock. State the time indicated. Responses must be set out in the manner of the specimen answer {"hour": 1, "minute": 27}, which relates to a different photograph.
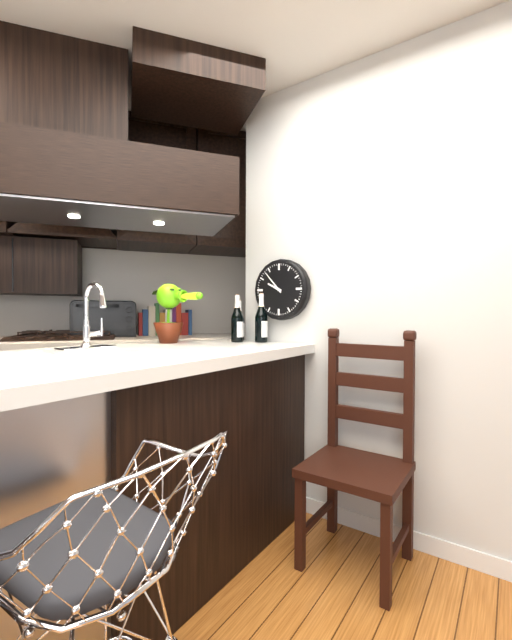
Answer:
{"hour": 9, "minute": 53}
